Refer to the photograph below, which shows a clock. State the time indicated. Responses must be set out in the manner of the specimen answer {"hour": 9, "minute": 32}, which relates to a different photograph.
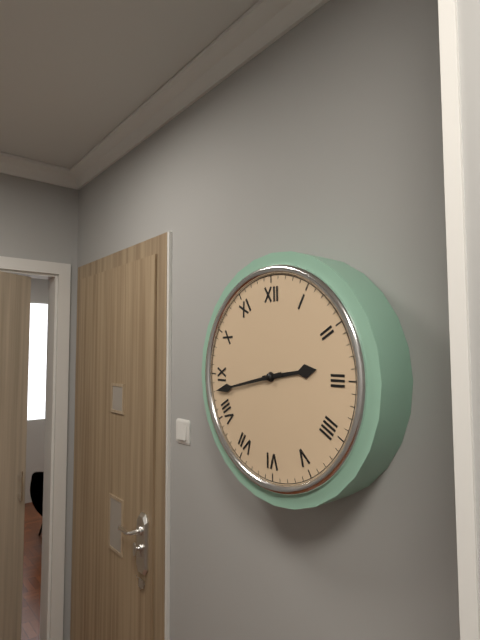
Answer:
{"hour": 2, "minute": 43}
